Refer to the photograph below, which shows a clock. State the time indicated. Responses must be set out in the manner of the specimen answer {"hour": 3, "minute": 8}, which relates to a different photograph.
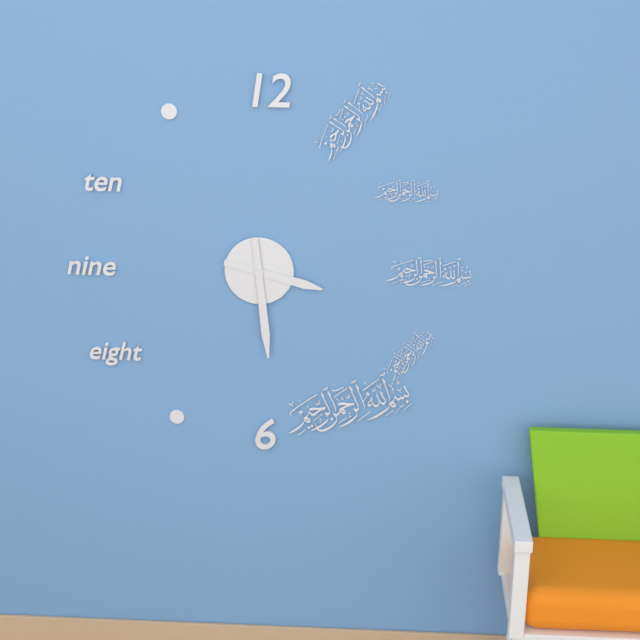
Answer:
{"hour": 3, "minute": 29}
